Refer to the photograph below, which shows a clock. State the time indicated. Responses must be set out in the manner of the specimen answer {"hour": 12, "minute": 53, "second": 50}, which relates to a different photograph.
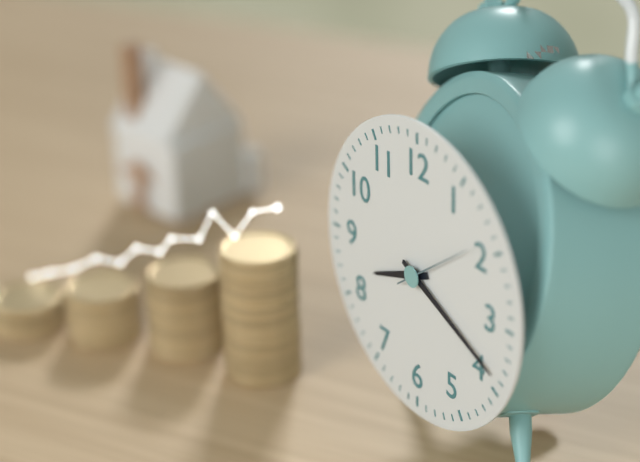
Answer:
{"hour": 8, "minute": 19, "second": 9}
